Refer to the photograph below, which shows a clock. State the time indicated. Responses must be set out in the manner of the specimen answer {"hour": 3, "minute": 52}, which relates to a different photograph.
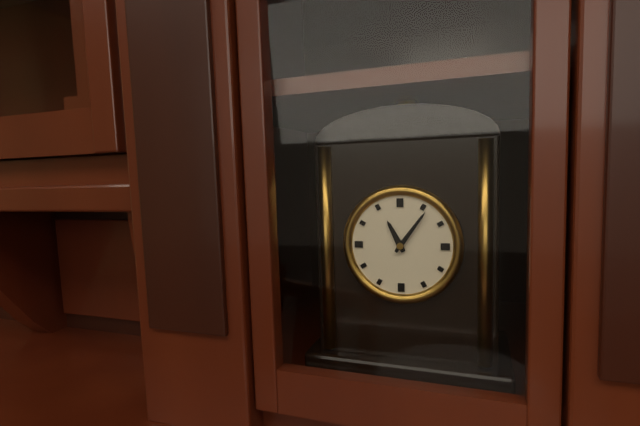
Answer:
{"hour": 11, "minute": 6}
